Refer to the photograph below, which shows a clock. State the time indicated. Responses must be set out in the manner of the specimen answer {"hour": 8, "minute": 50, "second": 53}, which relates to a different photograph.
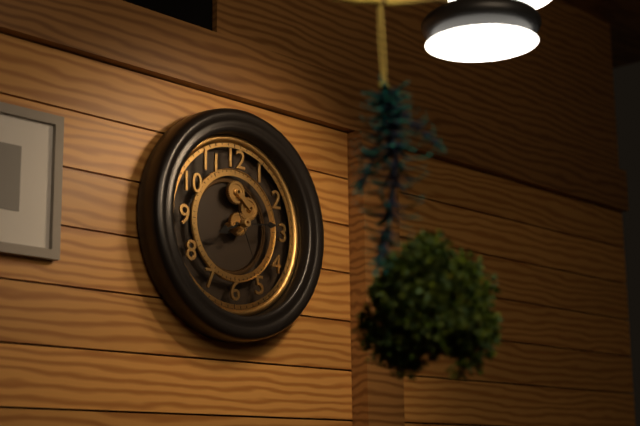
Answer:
{"hour": 8, "minute": 14, "second": 26}
